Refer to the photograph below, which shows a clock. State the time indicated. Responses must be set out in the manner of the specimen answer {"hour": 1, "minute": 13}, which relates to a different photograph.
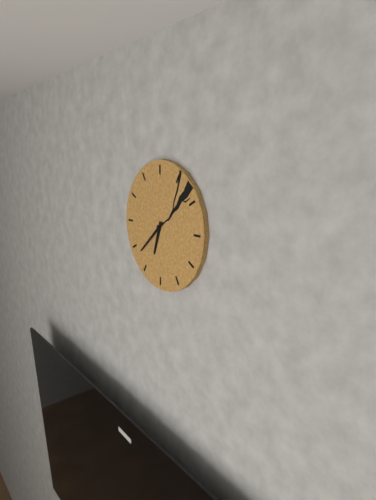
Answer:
{"hour": 6, "minute": 38}
